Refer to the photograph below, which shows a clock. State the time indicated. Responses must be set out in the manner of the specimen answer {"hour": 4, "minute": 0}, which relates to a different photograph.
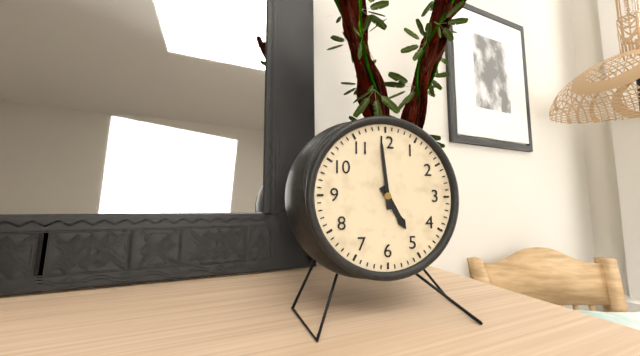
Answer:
{"hour": 4, "minute": 59}
